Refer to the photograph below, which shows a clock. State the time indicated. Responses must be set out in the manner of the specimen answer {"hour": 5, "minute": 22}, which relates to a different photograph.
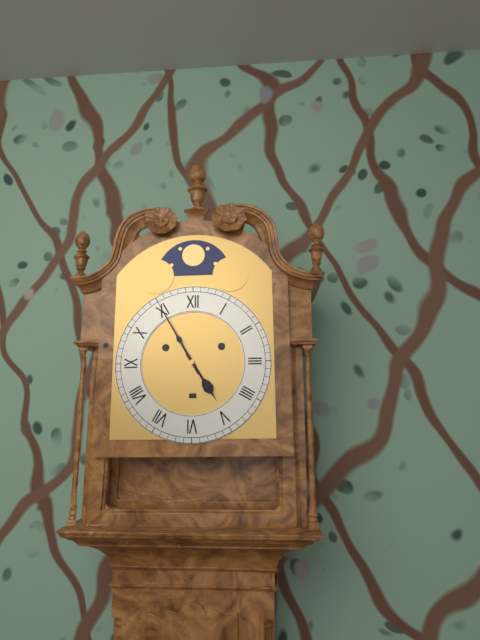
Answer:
{"hour": 4, "minute": 55}
